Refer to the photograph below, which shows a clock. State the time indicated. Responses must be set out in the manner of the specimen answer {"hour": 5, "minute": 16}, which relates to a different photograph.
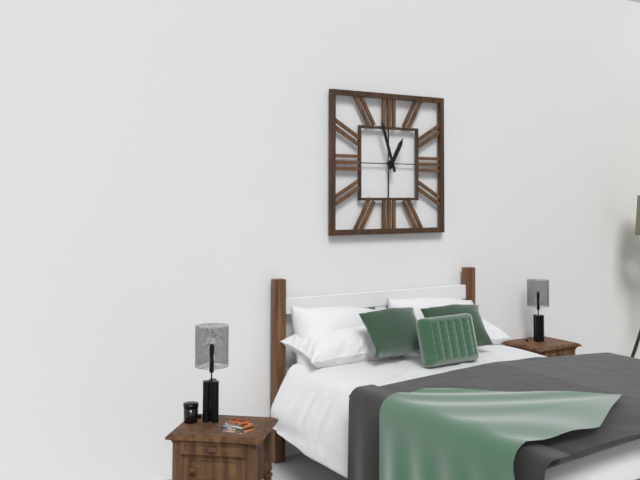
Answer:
{"hour": 12, "minute": 57}
